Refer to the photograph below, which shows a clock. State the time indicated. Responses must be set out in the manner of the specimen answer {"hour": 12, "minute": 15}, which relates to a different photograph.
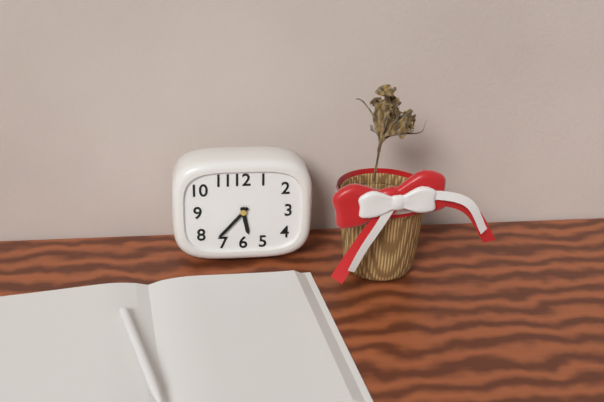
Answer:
{"hour": 5, "minute": 37}
